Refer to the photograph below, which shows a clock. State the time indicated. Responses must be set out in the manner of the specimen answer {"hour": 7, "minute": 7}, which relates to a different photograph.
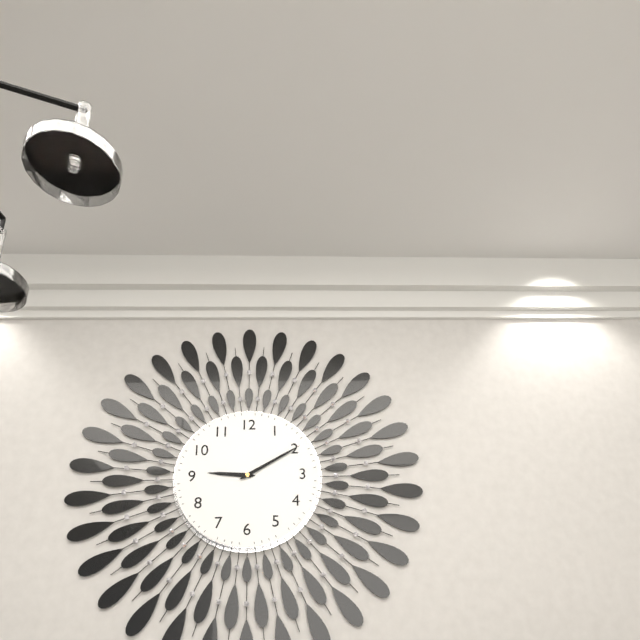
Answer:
{"hour": 9, "minute": 10}
